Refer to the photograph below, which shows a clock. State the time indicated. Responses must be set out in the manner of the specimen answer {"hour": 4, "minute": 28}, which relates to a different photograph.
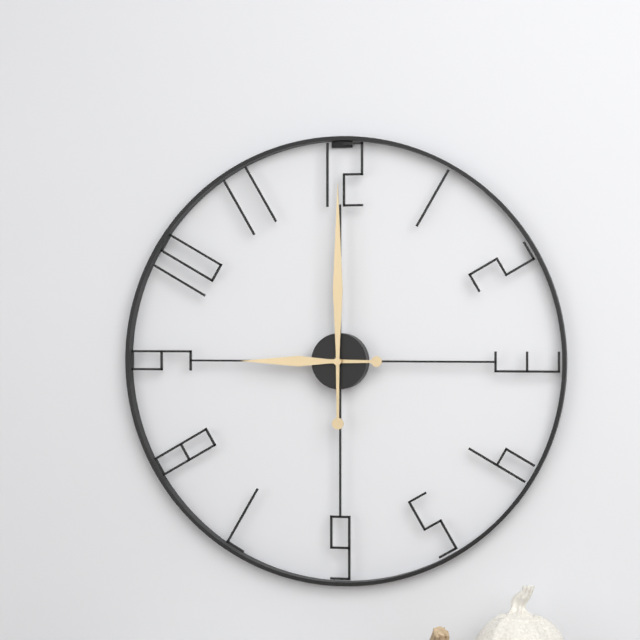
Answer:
{"hour": 9, "minute": 0}
